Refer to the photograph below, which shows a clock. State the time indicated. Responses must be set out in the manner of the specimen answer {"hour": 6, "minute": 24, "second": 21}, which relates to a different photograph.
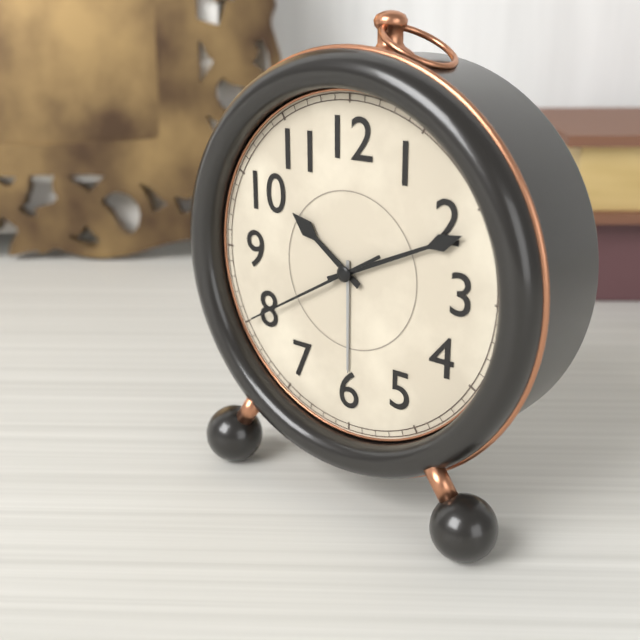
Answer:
{"hour": 10, "minute": 11, "second": 40}
